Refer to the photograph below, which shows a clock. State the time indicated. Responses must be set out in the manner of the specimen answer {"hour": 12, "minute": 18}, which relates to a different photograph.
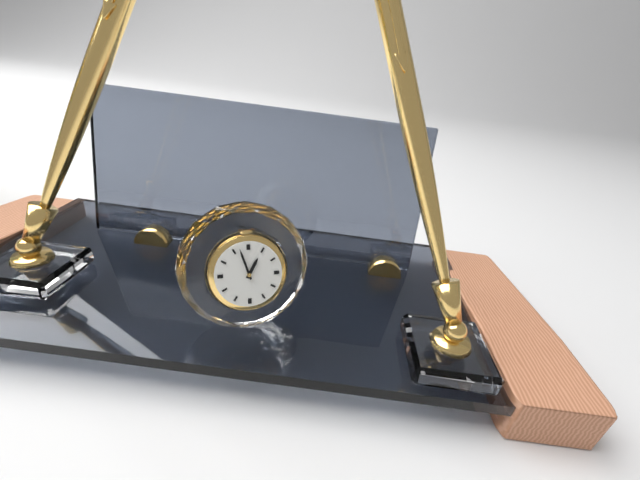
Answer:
{"hour": 12, "minute": 57}
